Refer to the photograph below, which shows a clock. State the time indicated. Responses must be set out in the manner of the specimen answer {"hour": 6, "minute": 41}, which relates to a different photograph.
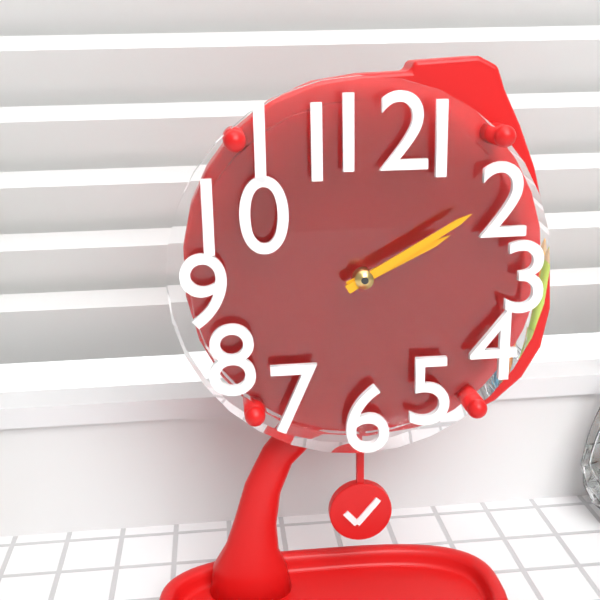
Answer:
{"hour": 2, "minute": 10}
